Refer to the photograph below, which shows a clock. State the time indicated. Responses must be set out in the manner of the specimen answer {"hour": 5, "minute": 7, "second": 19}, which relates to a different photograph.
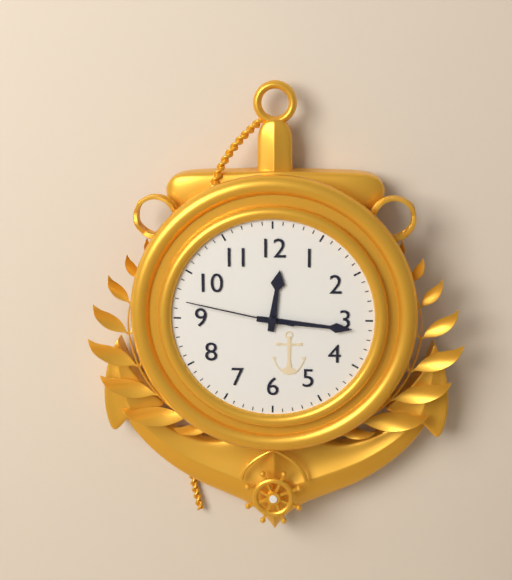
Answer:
{"hour": 12, "minute": 16, "second": 47}
